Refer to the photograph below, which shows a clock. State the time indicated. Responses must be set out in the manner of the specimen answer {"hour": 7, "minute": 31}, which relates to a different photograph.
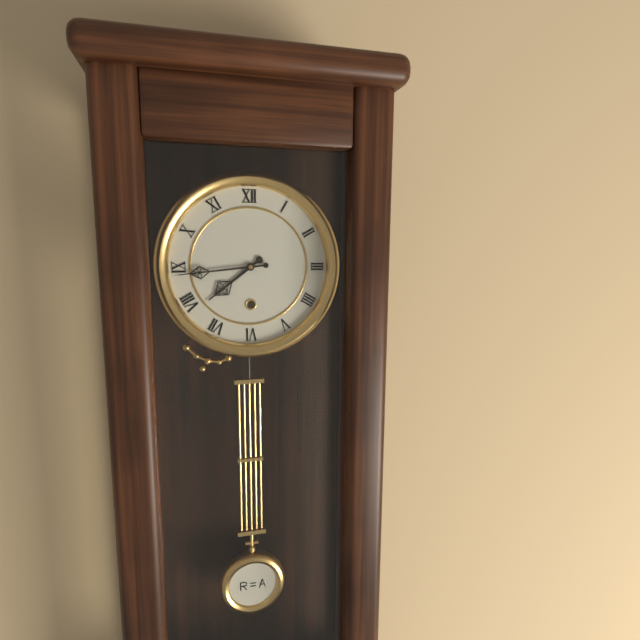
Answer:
{"hour": 7, "minute": 44}
